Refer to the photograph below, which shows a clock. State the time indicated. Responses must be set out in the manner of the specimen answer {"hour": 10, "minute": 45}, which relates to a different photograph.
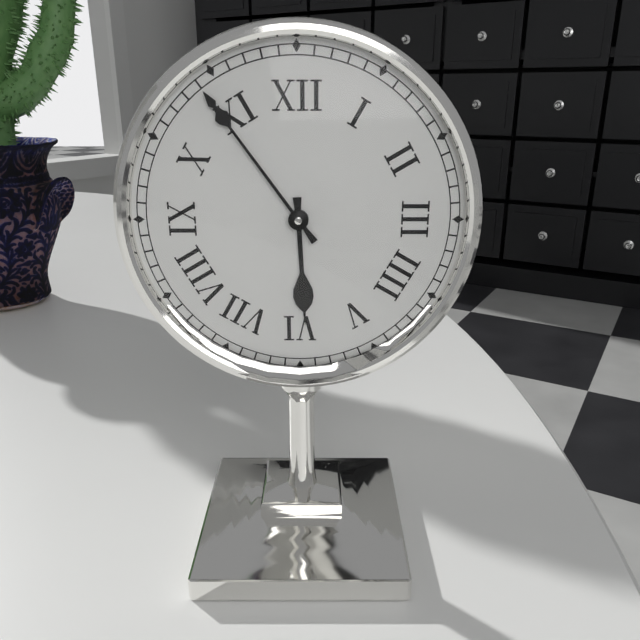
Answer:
{"hour": 5, "minute": 54}
